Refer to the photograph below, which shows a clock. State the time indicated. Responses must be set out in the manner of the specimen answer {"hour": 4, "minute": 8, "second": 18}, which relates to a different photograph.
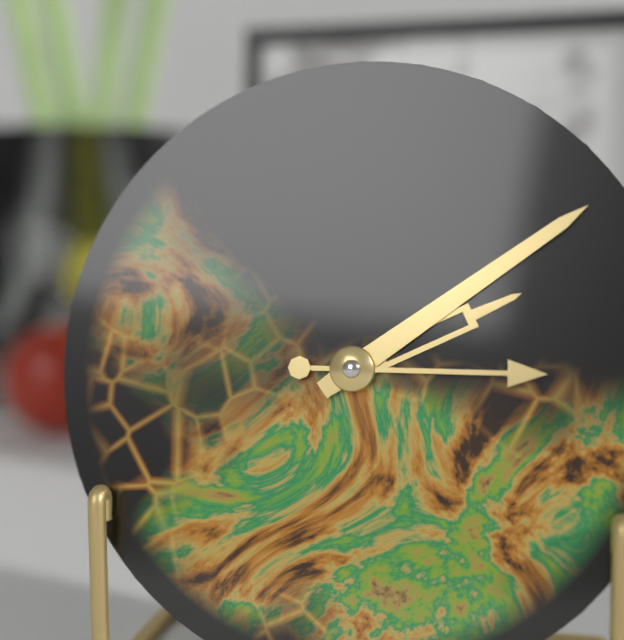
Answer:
{"hour": 2, "minute": 9, "second": 15}
